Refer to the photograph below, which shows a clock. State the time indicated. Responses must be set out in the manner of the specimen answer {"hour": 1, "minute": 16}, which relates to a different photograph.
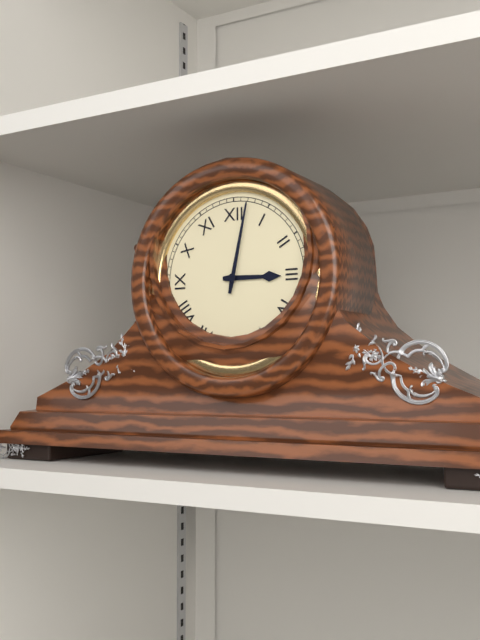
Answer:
{"hour": 3, "minute": 2}
